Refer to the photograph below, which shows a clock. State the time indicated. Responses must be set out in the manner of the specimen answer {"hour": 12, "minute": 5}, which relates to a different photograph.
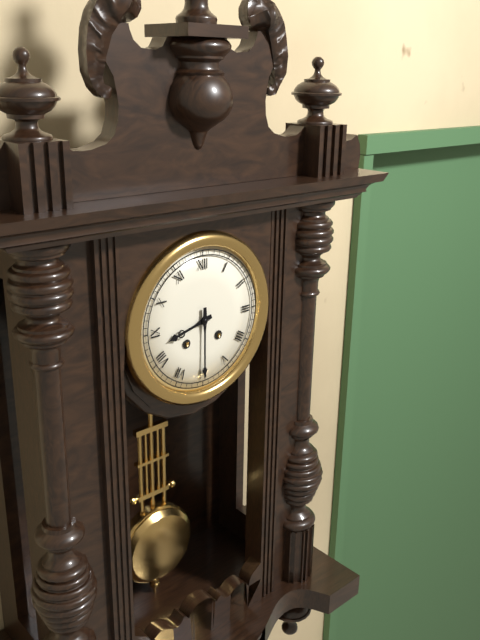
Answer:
{"hour": 8, "minute": 30}
